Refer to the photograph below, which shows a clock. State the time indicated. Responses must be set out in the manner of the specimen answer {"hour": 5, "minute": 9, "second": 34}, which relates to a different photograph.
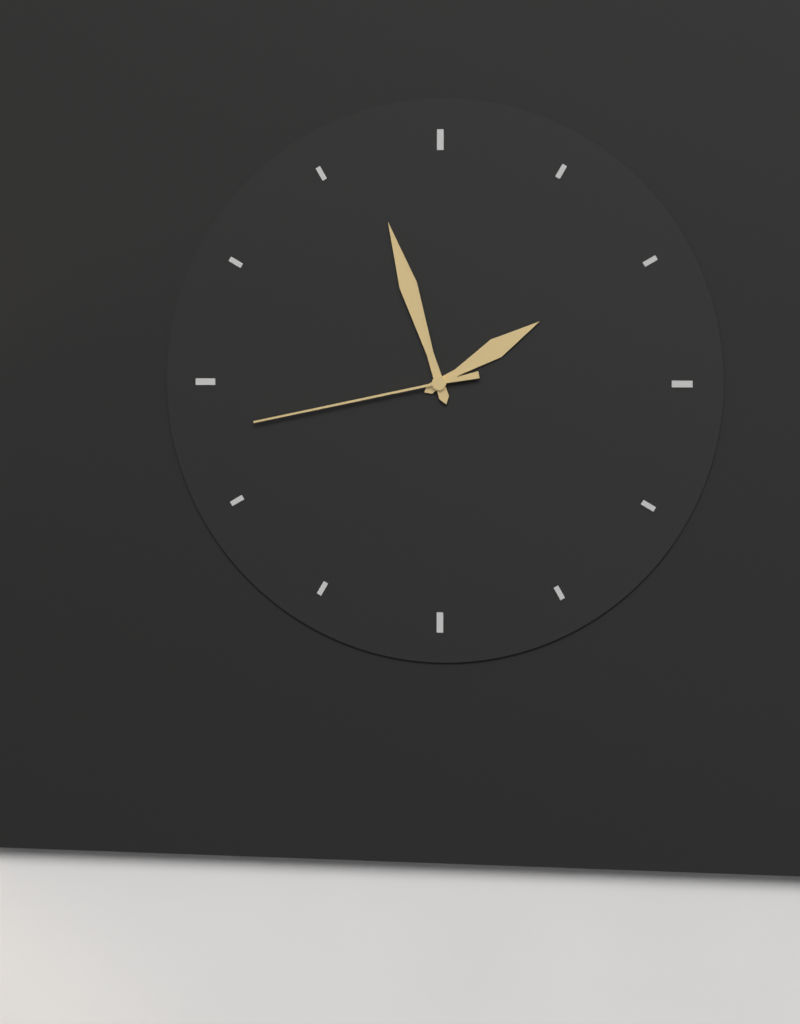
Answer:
{"hour": 1, "minute": 57, "second": 43}
